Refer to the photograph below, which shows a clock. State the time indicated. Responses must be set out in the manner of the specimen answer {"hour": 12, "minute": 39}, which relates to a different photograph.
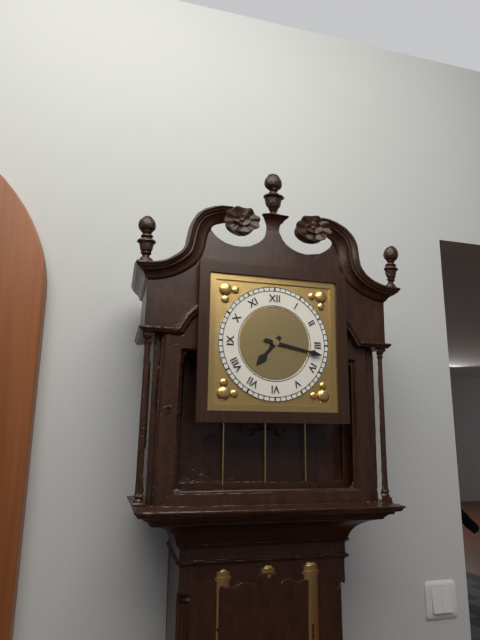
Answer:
{"hour": 7, "minute": 17}
